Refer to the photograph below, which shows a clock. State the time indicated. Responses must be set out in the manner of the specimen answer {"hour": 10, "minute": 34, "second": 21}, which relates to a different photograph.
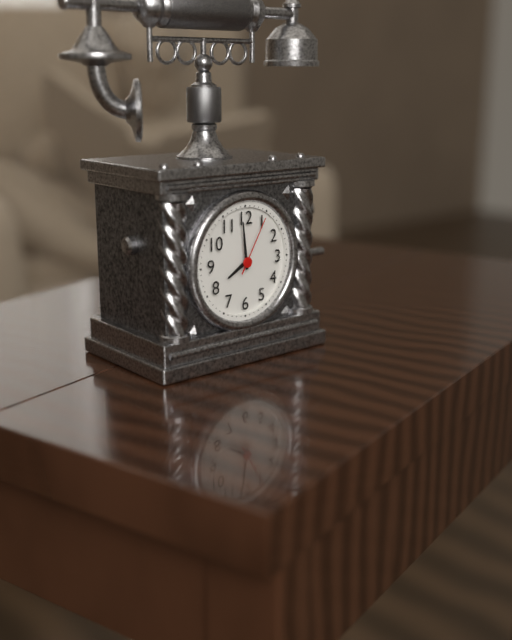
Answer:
{"hour": 7, "minute": 59, "second": 5}
